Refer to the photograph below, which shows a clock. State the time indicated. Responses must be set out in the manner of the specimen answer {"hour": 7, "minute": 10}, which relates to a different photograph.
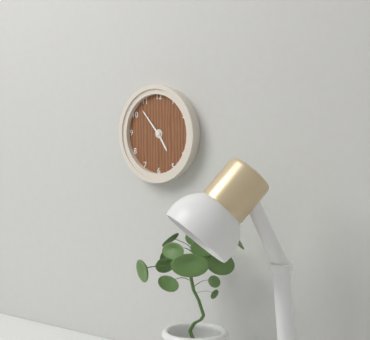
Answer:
{"hour": 4, "minute": 53}
